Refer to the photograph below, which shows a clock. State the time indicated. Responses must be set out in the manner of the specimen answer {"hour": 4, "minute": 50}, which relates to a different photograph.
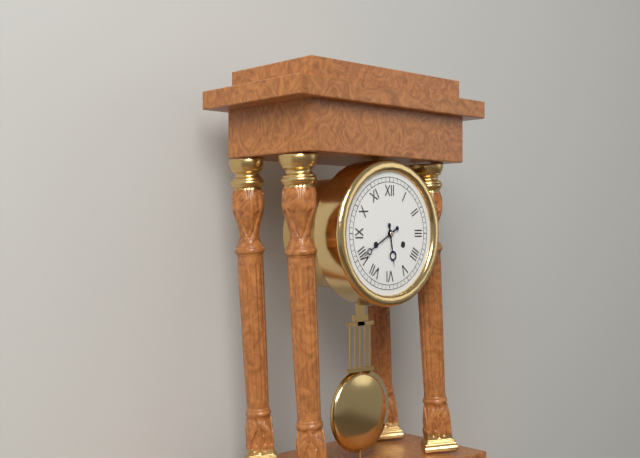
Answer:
{"hour": 5, "minute": 40}
